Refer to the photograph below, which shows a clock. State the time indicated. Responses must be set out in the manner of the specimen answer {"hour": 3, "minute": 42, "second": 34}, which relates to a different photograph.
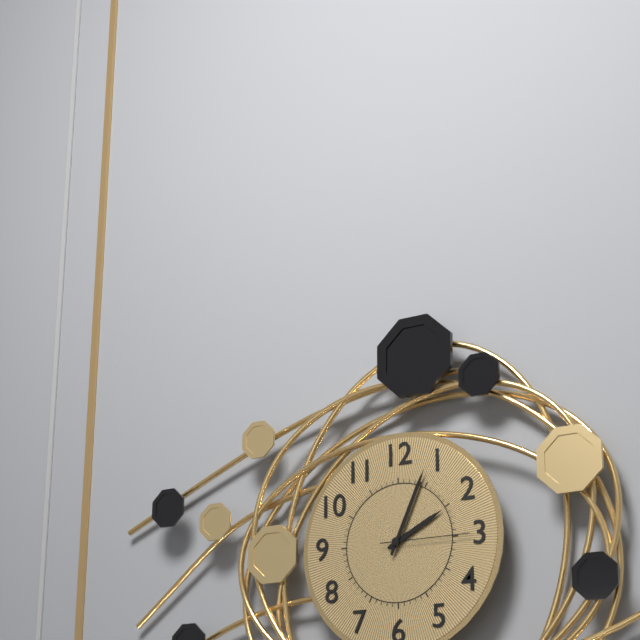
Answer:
{"hour": 2, "minute": 4, "second": 15}
